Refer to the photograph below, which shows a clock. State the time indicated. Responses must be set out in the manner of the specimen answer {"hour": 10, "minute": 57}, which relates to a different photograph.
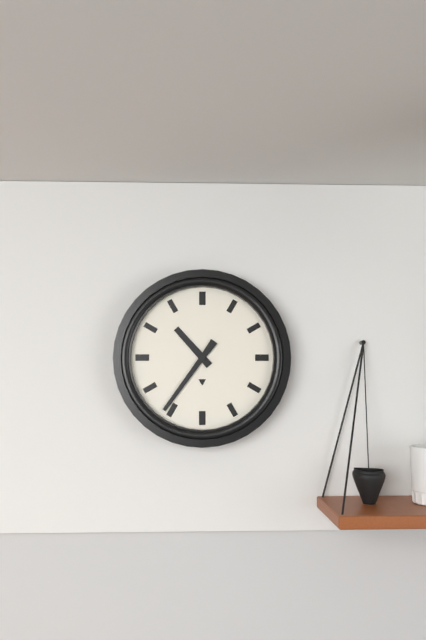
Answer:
{"hour": 10, "minute": 36}
